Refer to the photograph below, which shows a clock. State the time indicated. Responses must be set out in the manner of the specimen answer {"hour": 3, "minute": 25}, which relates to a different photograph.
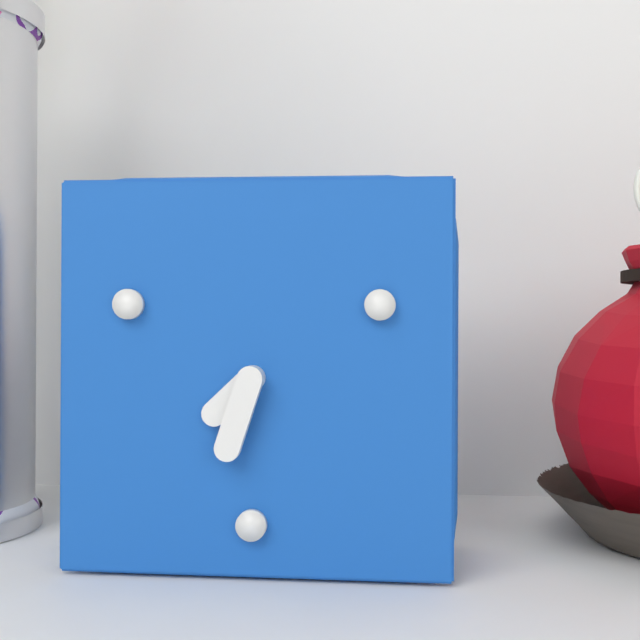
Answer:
{"hour": 7, "minute": 33}
